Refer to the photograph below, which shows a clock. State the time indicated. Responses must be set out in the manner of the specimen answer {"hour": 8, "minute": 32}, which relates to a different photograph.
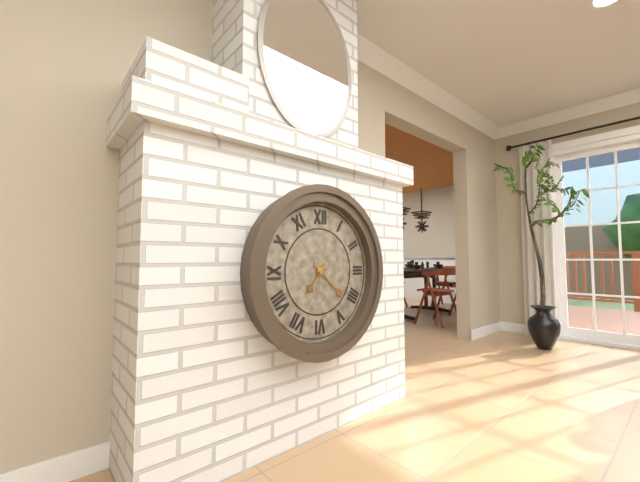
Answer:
{"hour": 7, "minute": 22}
